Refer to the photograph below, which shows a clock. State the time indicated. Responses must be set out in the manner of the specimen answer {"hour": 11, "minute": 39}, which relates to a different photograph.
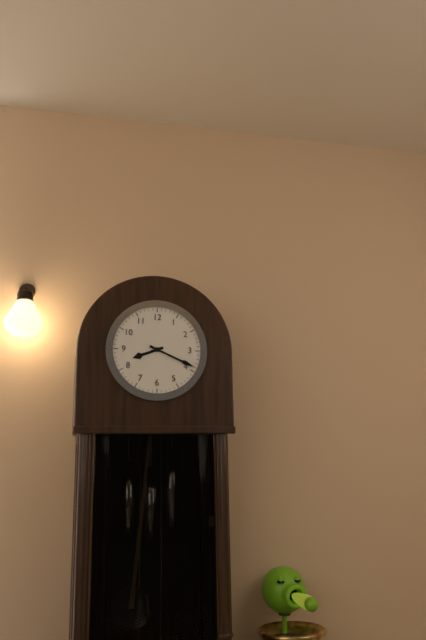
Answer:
{"hour": 8, "minute": 19}
